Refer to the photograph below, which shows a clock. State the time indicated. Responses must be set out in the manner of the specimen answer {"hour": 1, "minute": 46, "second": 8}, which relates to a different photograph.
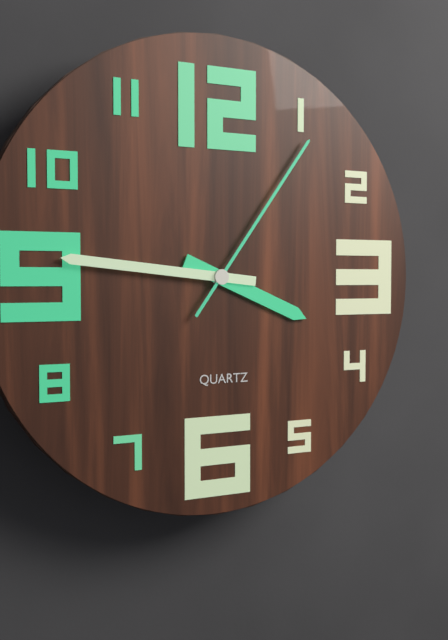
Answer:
{"hour": 3, "minute": 46, "second": 6}
